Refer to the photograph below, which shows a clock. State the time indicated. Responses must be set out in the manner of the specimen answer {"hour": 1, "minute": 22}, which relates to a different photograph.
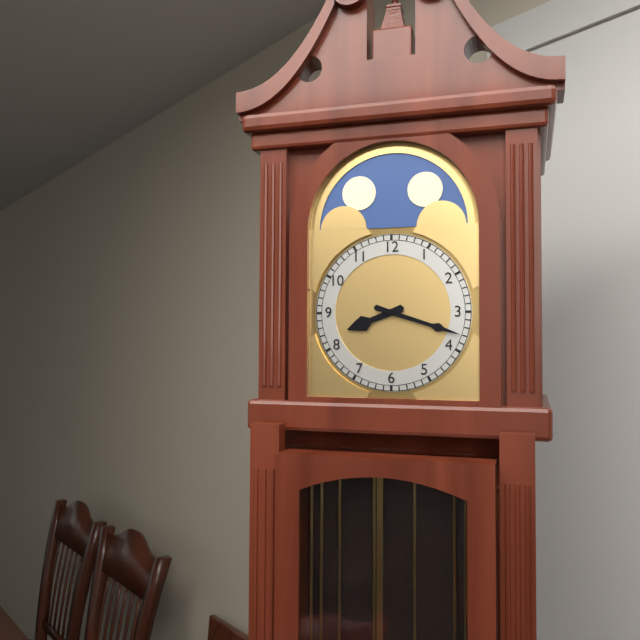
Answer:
{"hour": 8, "minute": 18}
